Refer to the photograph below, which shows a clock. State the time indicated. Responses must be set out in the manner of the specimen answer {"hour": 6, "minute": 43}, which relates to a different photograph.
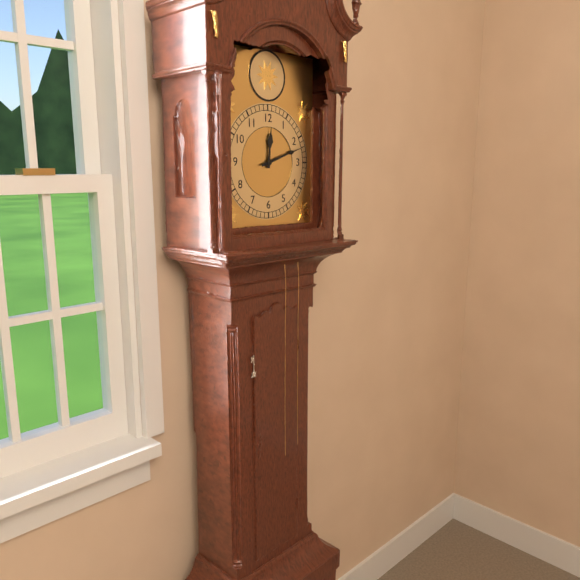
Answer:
{"hour": 12, "minute": 12}
